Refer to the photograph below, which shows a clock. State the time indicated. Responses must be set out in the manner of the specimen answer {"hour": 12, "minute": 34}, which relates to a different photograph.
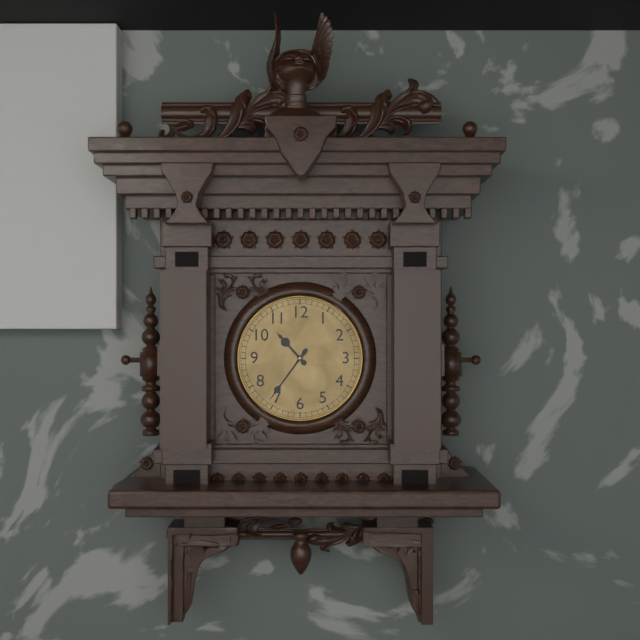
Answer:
{"hour": 10, "minute": 36}
